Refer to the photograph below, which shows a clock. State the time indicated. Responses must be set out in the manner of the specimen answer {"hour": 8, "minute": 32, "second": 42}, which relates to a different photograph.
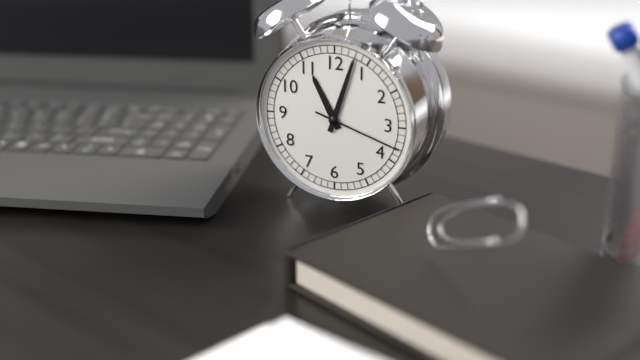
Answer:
{"hour": 11, "minute": 3, "second": 18}
